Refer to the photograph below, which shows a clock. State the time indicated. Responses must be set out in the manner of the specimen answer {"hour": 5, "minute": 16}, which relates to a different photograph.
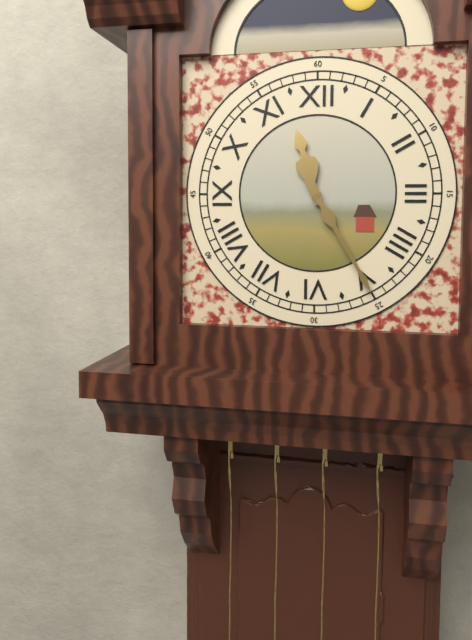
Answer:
{"hour": 11, "minute": 25}
